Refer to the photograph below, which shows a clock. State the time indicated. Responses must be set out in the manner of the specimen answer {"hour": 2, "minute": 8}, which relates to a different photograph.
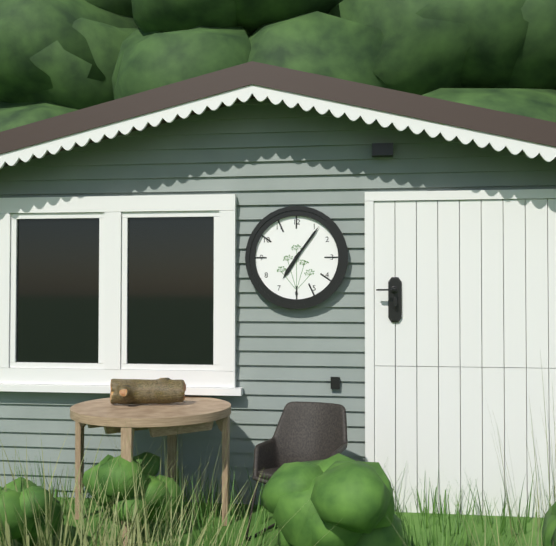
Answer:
{"hour": 7, "minute": 6}
